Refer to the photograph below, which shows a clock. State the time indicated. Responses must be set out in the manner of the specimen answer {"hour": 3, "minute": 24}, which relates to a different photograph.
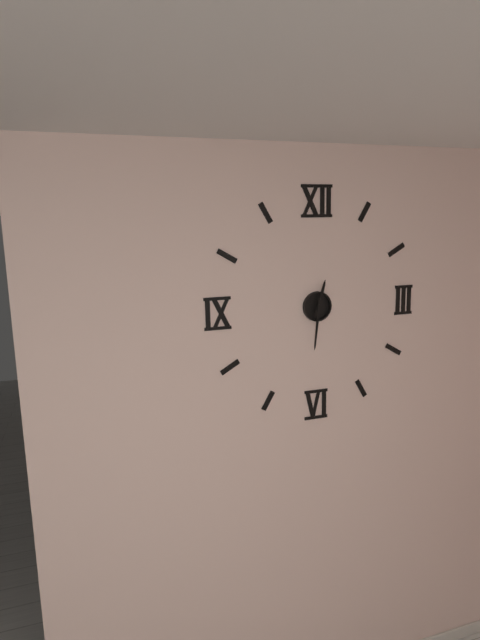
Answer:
{"hour": 12, "minute": 31}
